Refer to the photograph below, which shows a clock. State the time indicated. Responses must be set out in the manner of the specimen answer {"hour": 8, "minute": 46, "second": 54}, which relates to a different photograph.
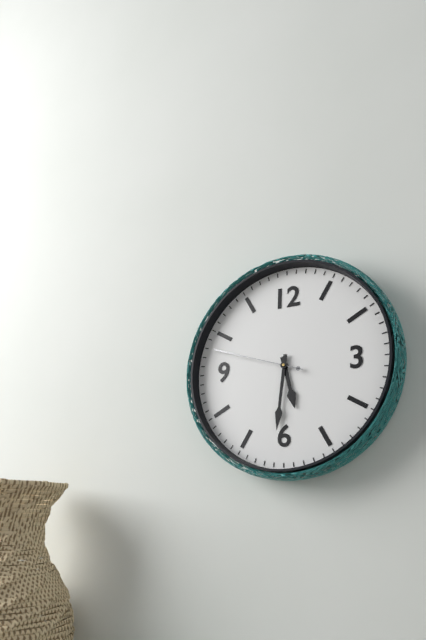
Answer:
{"hour": 5, "minute": 31, "second": 48}
